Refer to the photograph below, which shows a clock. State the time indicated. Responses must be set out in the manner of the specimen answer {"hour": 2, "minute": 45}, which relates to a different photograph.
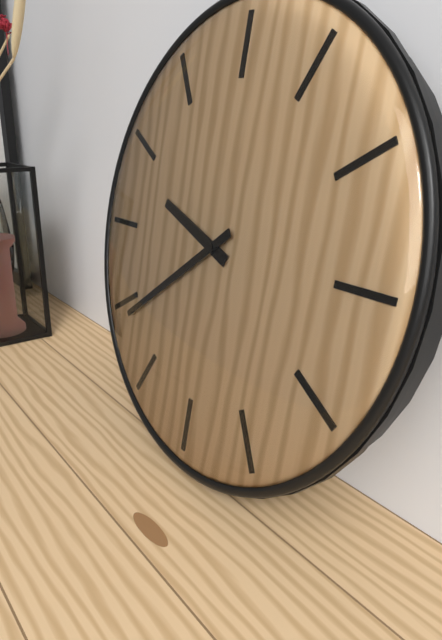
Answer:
{"hour": 9, "minute": 39}
